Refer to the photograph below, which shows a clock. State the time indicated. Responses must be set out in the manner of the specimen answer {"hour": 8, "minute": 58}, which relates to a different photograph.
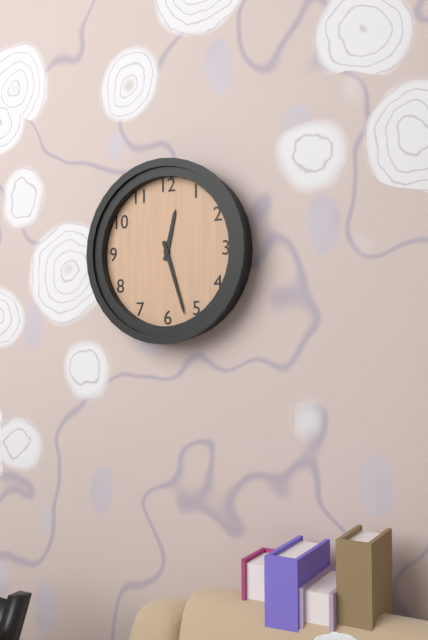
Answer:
{"hour": 12, "minute": 27}
